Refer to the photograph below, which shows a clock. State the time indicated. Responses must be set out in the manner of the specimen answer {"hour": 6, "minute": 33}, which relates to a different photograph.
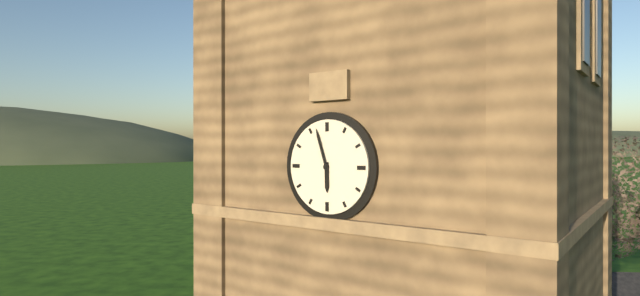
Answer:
{"hour": 5, "minute": 57}
